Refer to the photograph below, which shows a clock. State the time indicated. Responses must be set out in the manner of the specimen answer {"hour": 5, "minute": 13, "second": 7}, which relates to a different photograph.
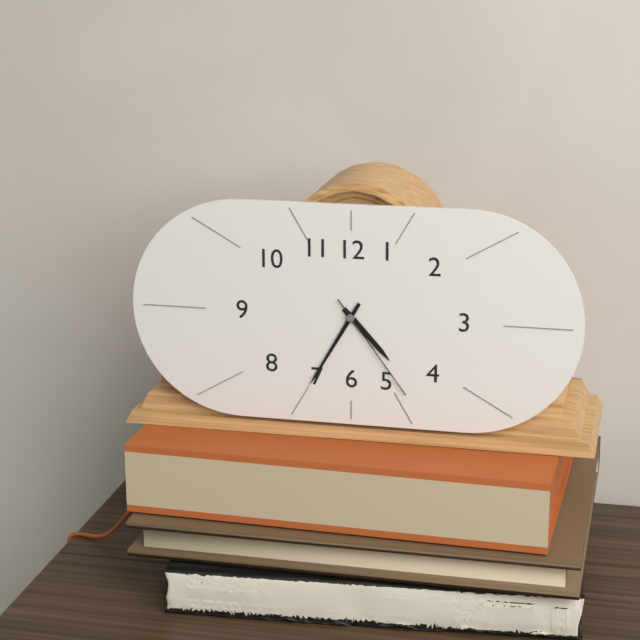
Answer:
{"hour": 4, "minute": 35, "second": 24}
